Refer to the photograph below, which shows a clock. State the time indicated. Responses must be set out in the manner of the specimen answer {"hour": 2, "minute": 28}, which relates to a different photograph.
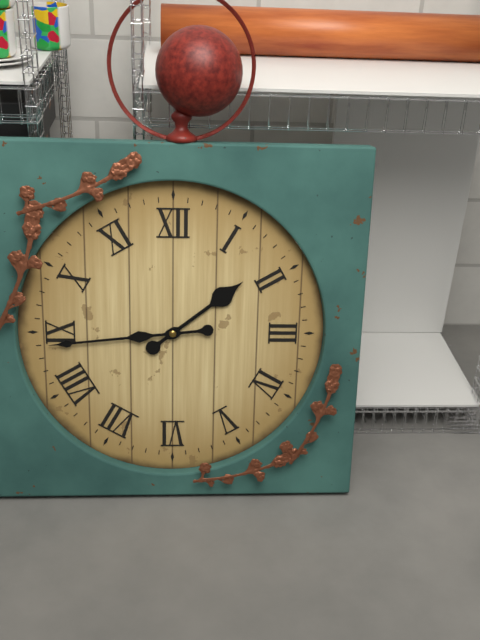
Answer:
{"hour": 1, "minute": 44}
